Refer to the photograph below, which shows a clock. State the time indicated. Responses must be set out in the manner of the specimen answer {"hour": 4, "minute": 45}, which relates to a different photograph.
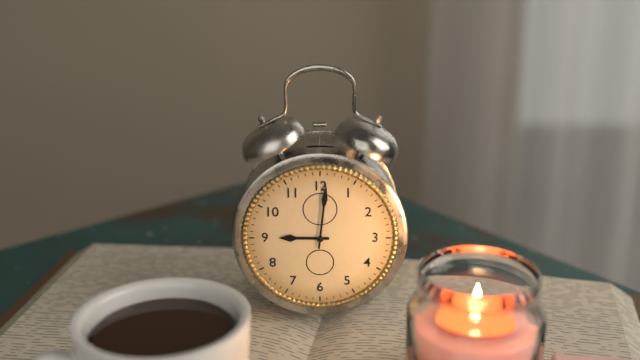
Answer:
{"hour": 9, "minute": 1}
